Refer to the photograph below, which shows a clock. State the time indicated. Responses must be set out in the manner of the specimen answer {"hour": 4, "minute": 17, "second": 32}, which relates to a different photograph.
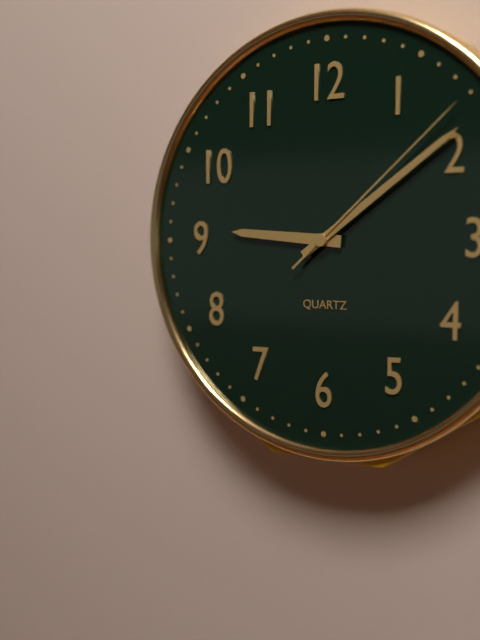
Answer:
{"hour": 9, "minute": 9, "second": 8}
